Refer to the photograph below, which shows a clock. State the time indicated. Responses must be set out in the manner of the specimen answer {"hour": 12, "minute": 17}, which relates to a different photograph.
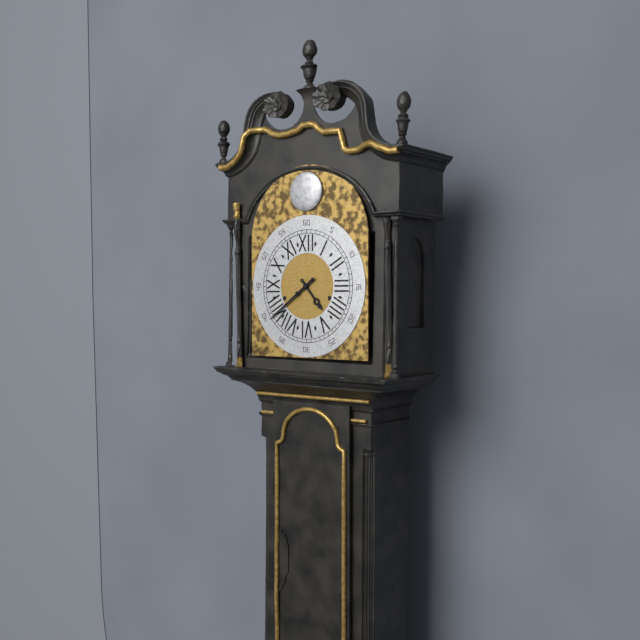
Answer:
{"hour": 4, "minute": 39}
